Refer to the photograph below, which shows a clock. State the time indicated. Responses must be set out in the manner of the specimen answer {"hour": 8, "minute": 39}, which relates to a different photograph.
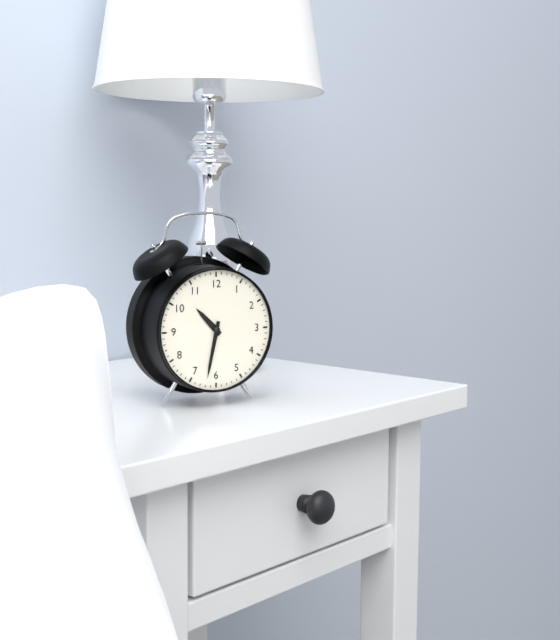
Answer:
{"hour": 10, "minute": 32}
